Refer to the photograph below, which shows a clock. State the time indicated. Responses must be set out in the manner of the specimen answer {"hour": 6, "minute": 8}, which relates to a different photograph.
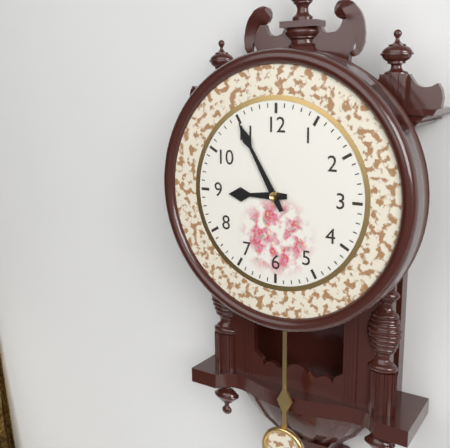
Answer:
{"hour": 8, "minute": 55}
